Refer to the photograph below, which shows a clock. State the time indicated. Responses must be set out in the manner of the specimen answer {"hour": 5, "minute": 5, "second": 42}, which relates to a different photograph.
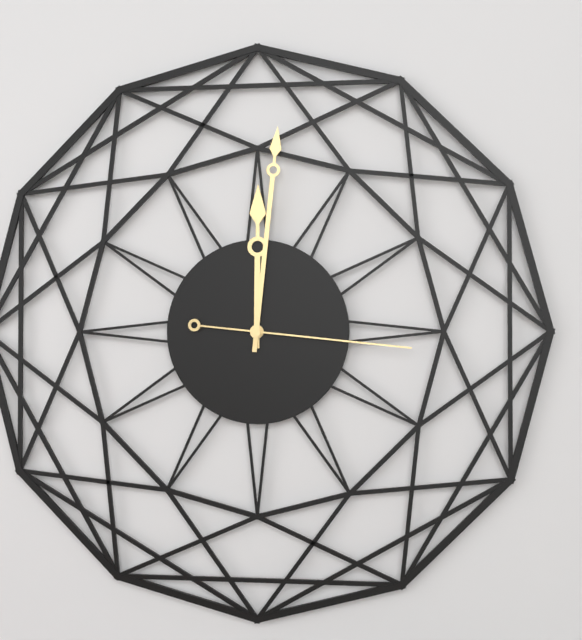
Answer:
{"hour": 12, "minute": 1, "second": 16}
